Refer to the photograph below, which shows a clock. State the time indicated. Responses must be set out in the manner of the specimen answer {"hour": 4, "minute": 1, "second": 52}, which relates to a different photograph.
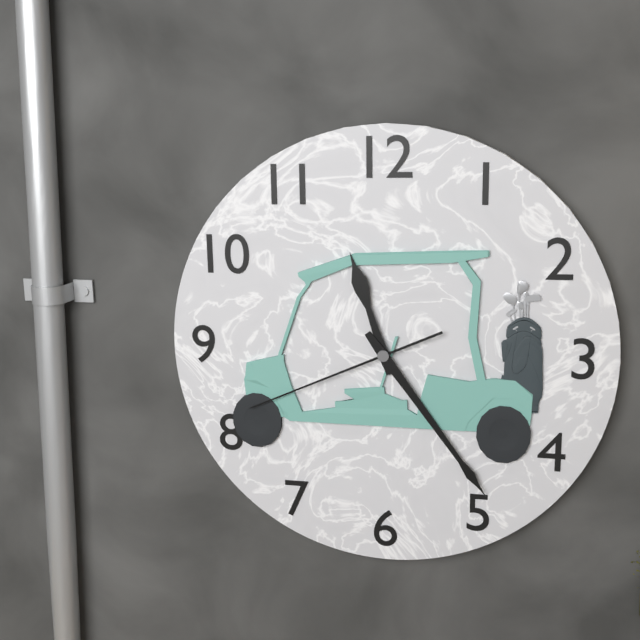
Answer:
{"hour": 11, "minute": 24, "second": 41}
